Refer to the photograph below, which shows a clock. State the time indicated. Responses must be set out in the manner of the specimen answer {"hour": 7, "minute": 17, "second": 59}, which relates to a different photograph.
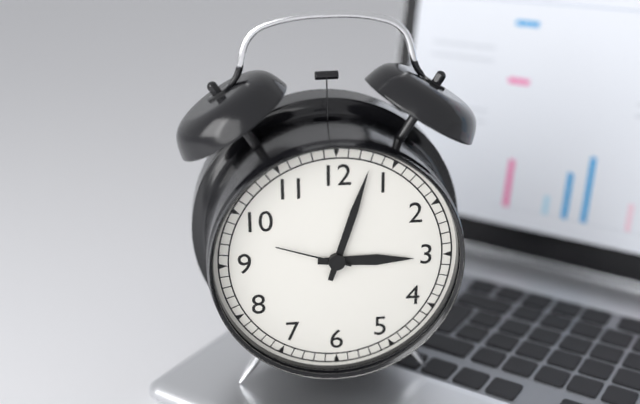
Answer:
{"hour": 3, "minute": 3, "second": 48}
